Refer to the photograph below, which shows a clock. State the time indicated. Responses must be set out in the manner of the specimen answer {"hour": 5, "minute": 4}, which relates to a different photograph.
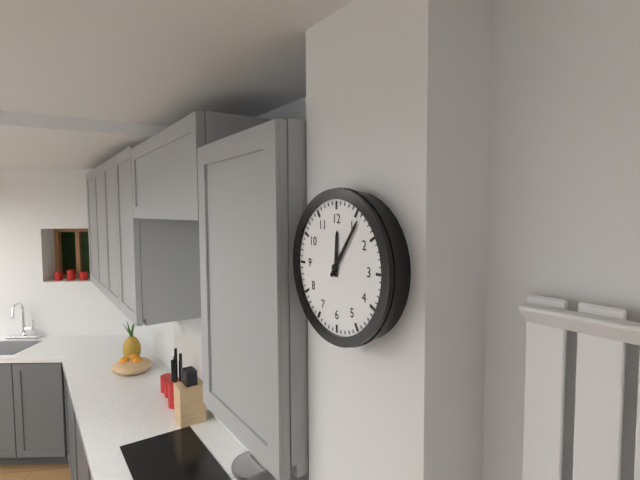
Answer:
{"hour": 12, "minute": 6}
